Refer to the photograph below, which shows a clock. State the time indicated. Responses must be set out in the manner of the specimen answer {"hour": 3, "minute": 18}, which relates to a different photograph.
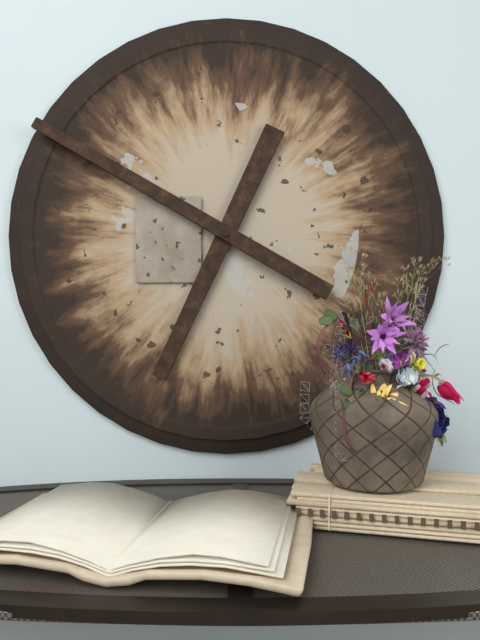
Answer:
{"hour": 6, "minute": 50}
